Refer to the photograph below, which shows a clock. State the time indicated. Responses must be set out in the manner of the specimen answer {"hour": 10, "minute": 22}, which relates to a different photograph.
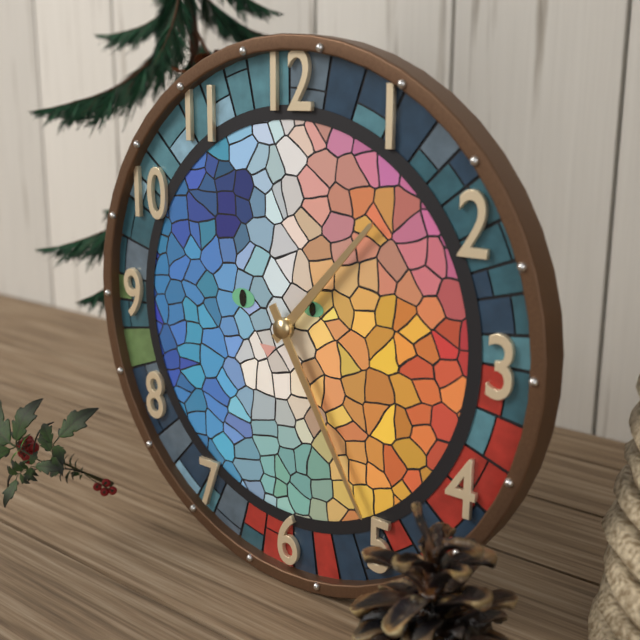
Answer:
{"hour": 1, "minute": 25}
